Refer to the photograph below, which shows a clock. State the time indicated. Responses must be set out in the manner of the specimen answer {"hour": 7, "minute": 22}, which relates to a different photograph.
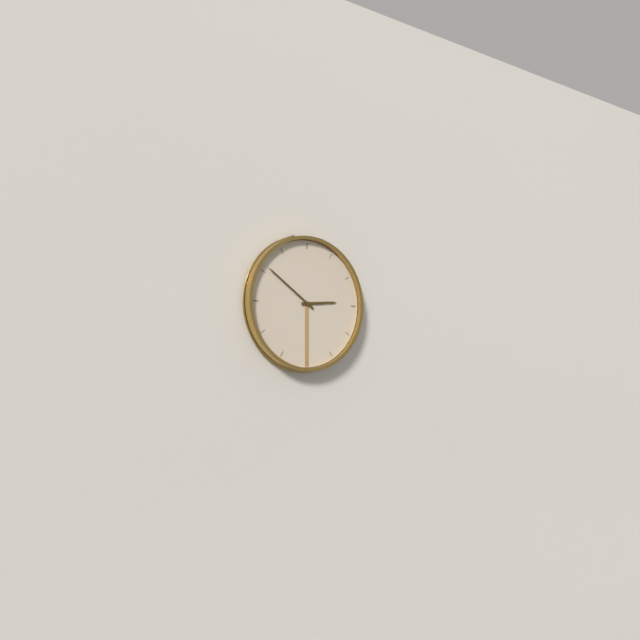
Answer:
{"hour": 2, "minute": 51}
